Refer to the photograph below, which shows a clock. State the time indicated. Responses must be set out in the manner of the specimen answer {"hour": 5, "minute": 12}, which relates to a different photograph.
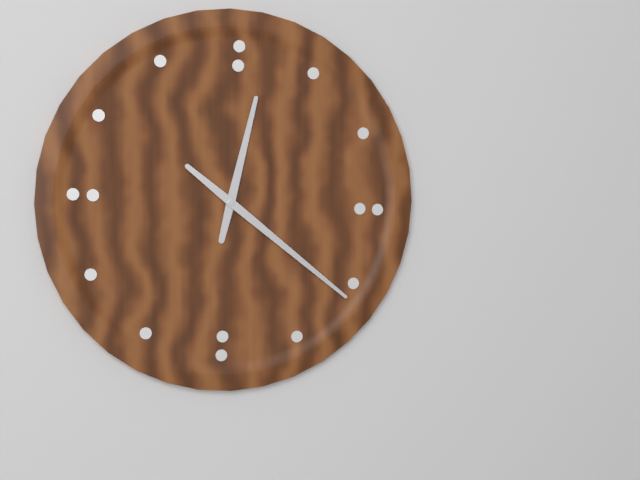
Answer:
{"hour": 12, "minute": 21}
